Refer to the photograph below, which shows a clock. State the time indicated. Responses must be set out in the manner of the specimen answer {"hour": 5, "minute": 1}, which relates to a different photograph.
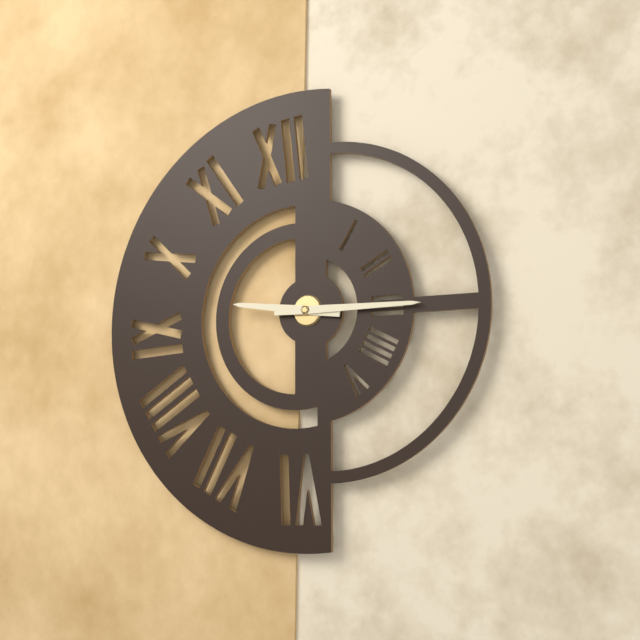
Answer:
{"hour": 9, "minute": 15}
